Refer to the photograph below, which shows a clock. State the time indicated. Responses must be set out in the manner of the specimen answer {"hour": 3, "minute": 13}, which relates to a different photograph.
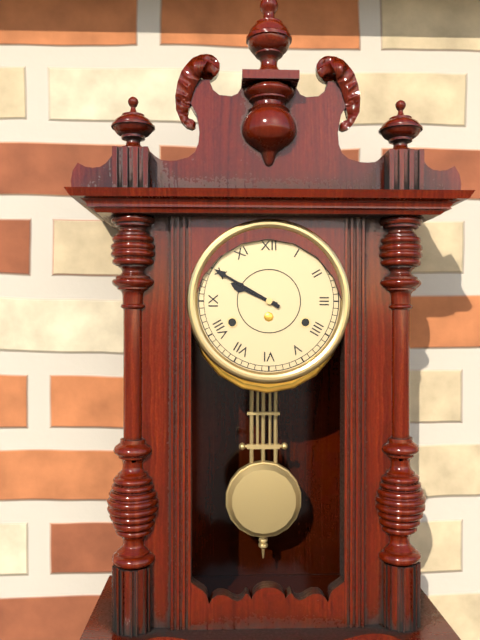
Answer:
{"hour": 9, "minute": 50}
